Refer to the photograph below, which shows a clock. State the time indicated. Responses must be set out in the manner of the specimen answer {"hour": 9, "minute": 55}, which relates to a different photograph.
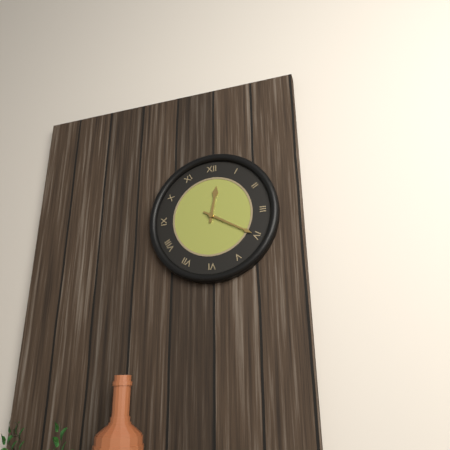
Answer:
{"hour": 12, "minute": 20}
